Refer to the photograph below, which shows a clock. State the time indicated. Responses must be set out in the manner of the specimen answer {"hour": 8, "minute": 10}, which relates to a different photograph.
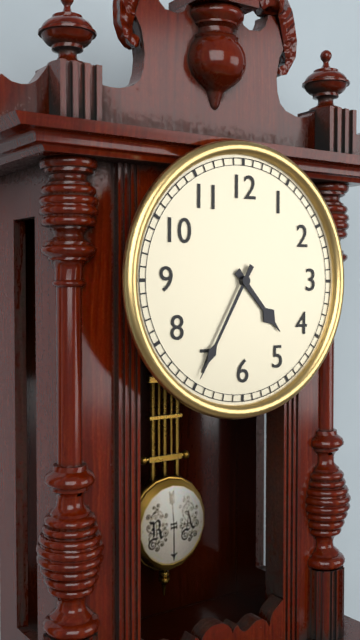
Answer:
{"hour": 4, "minute": 35}
